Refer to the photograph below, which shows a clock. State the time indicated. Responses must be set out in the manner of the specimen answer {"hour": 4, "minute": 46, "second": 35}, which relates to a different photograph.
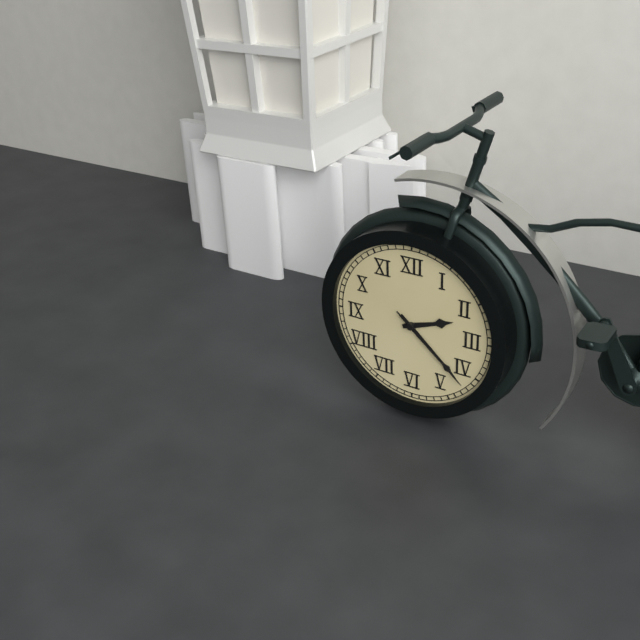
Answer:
{"hour": 2, "minute": 22, "second": 22}
